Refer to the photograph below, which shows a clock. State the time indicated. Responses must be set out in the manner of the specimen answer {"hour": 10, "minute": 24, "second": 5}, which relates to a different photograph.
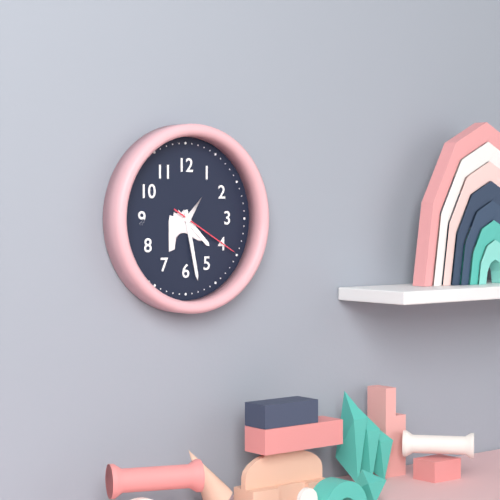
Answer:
{"hour": 4, "minute": 28, "second": 20}
